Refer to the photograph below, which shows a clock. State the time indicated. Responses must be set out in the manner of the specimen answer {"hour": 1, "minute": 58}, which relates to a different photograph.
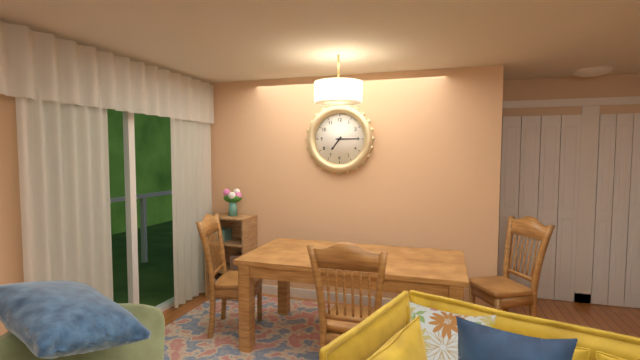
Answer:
{"hour": 7, "minute": 15}
